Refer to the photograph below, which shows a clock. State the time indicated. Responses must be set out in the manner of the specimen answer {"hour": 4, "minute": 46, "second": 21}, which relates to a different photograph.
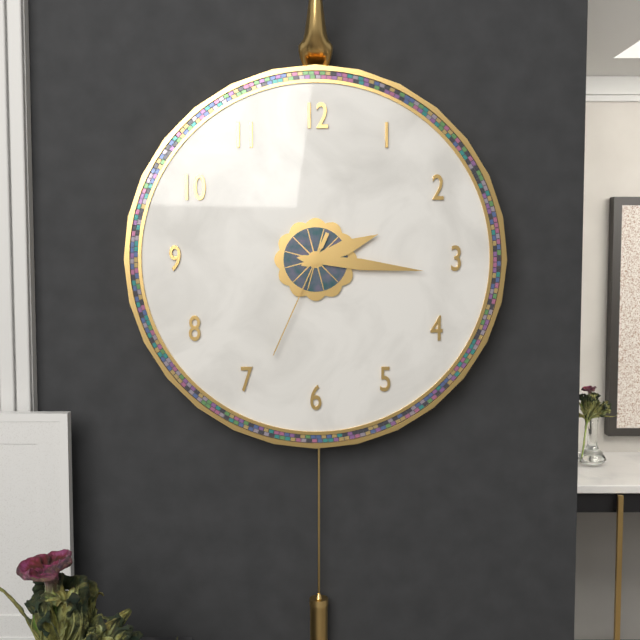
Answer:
{"hour": 2, "minute": 16, "second": 34}
